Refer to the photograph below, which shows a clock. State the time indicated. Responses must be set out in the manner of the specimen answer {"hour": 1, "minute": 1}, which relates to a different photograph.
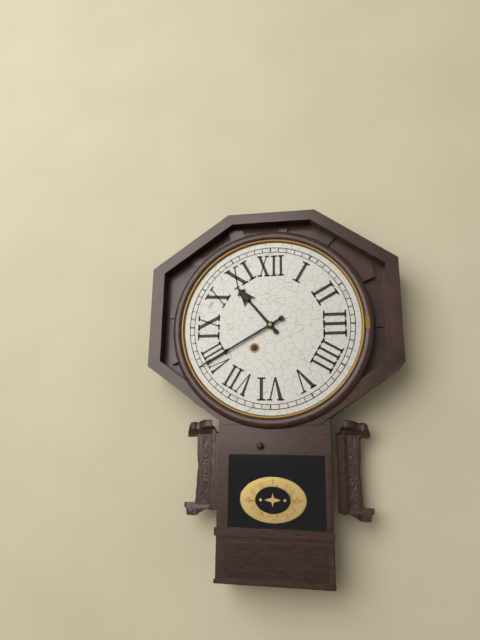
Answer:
{"hour": 10, "minute": 40}
